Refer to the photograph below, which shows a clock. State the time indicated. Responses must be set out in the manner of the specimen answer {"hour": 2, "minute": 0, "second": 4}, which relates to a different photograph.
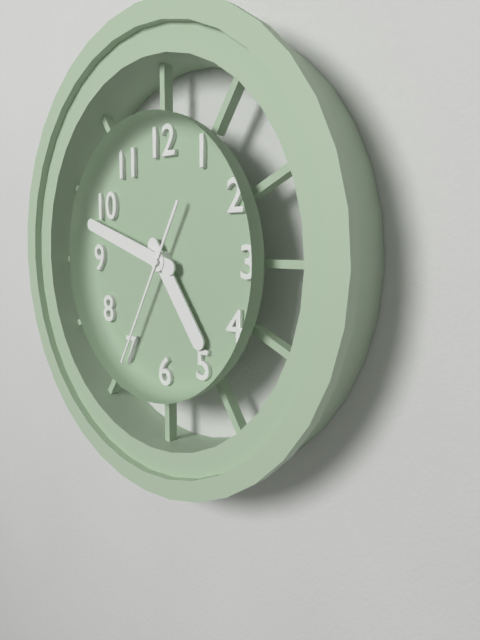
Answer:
{"hour": 4, "minute": 48, "second": 35}
